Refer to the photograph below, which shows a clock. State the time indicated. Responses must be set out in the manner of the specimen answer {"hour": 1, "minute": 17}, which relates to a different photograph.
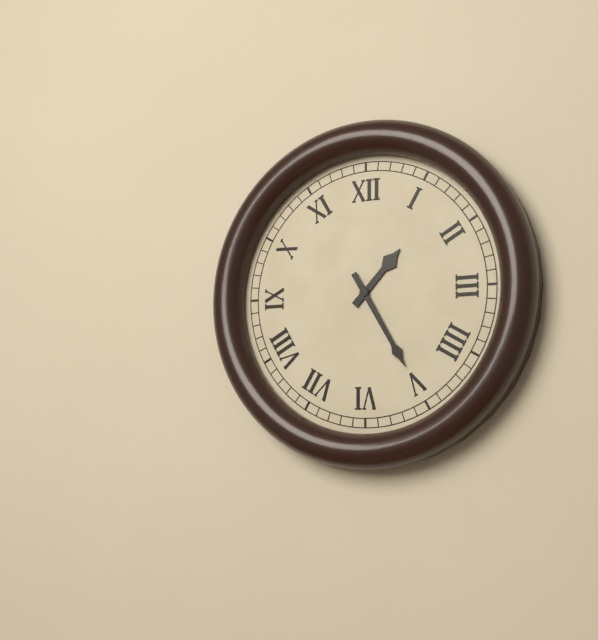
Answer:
{"hour": 1, "minute": 25}
